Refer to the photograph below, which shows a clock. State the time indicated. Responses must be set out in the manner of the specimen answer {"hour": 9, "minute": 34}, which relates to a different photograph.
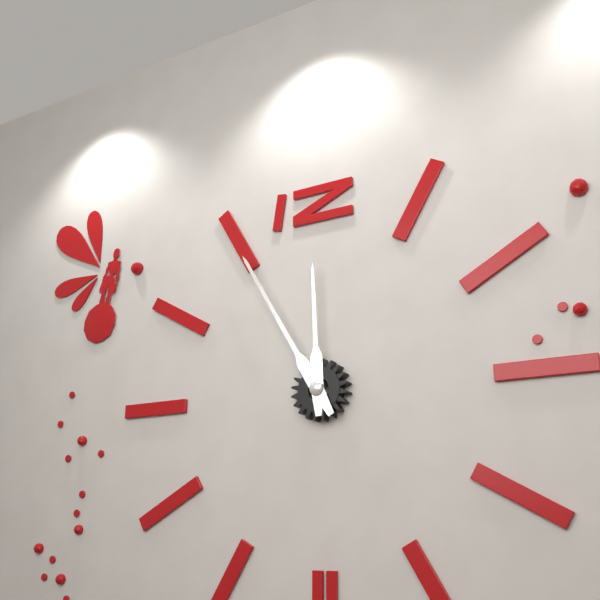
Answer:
{"hour": 11, "minute": 55}
